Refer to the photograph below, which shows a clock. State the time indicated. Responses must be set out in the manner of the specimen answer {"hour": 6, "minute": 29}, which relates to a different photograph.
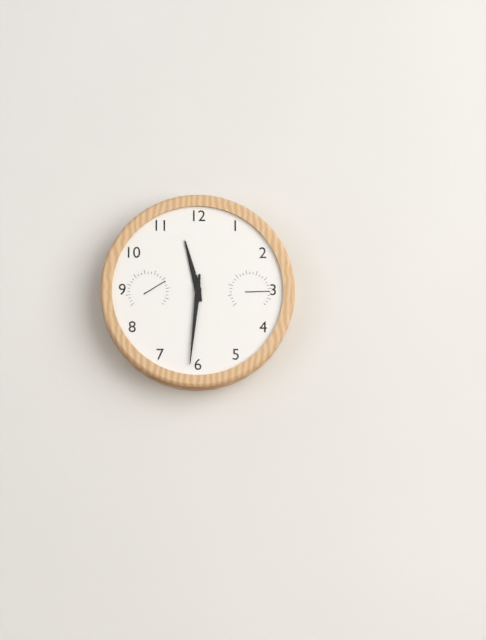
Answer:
{"hour": 11, "minute": 31}
